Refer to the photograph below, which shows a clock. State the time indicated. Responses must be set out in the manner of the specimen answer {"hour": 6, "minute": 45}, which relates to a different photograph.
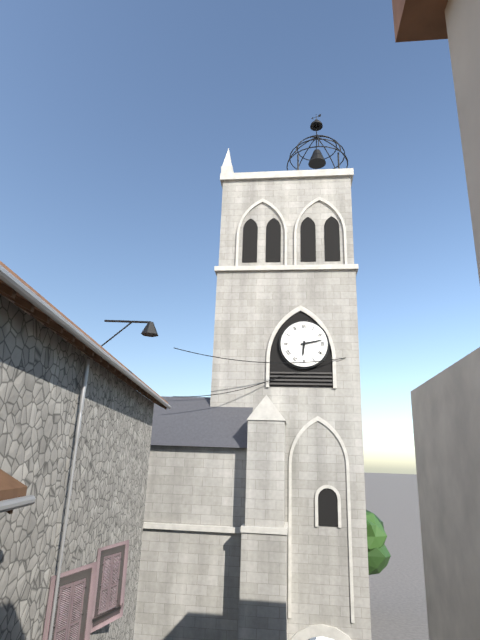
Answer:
{"hour": 6, "minute": 13}
